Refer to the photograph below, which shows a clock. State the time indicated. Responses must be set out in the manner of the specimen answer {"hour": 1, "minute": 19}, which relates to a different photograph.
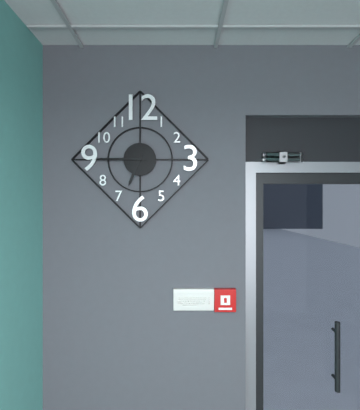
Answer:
{"hour": 6, "minute": 45}
